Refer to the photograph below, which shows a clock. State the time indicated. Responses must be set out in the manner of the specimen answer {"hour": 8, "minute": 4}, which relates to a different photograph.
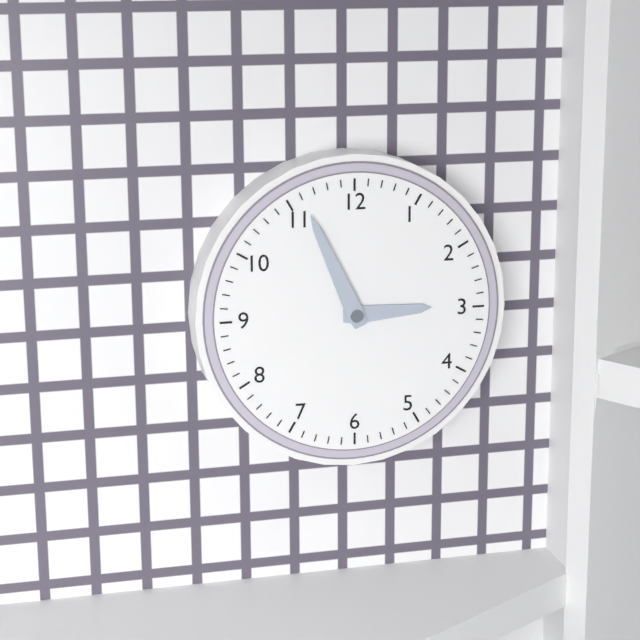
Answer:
{"hour": 2, "minute": 56}
